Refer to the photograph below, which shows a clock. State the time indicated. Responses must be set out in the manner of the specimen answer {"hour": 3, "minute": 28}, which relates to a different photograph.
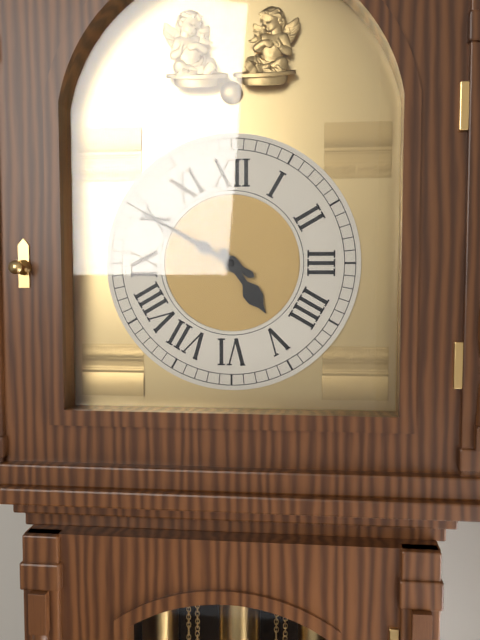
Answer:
{"hour": 4, "minute": 50}
